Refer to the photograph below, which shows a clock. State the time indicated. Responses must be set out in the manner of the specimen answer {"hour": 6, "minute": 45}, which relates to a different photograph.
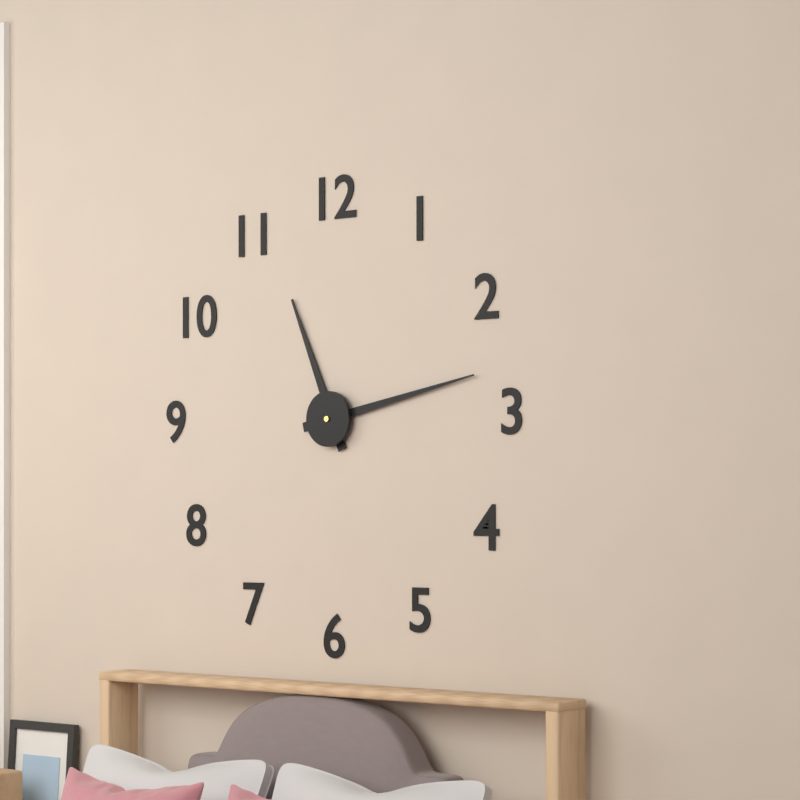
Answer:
{"hour": 11, "minute": 13}
